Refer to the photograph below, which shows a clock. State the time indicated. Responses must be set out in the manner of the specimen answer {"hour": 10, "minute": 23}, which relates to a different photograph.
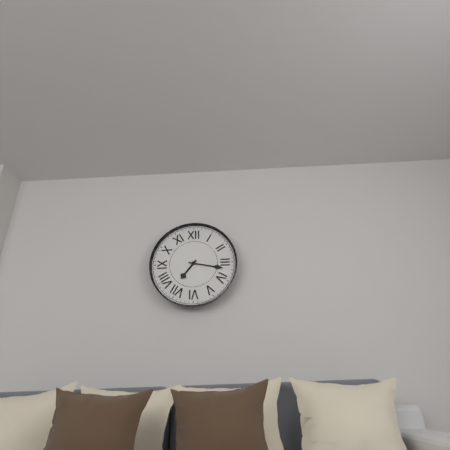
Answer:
{"hour": 7, "minute": 17}
